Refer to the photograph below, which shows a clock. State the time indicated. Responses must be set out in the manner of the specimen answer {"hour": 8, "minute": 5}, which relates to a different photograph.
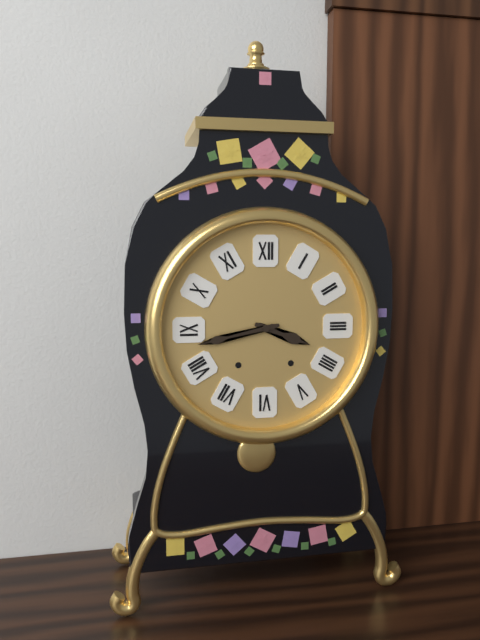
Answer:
{"hour": 3, "minute": 43}
